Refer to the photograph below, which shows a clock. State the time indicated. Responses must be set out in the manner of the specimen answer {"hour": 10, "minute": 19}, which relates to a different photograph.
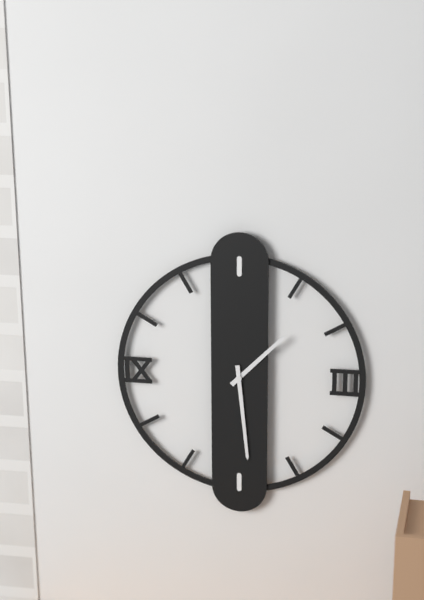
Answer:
{"hour": 1, "minute": 29}
